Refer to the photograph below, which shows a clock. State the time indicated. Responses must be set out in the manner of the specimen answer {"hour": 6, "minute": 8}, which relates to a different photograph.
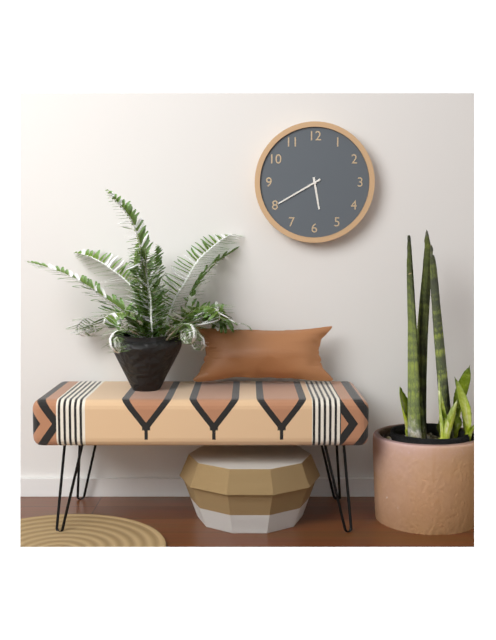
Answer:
{"hour": 5, "minute": 40}
